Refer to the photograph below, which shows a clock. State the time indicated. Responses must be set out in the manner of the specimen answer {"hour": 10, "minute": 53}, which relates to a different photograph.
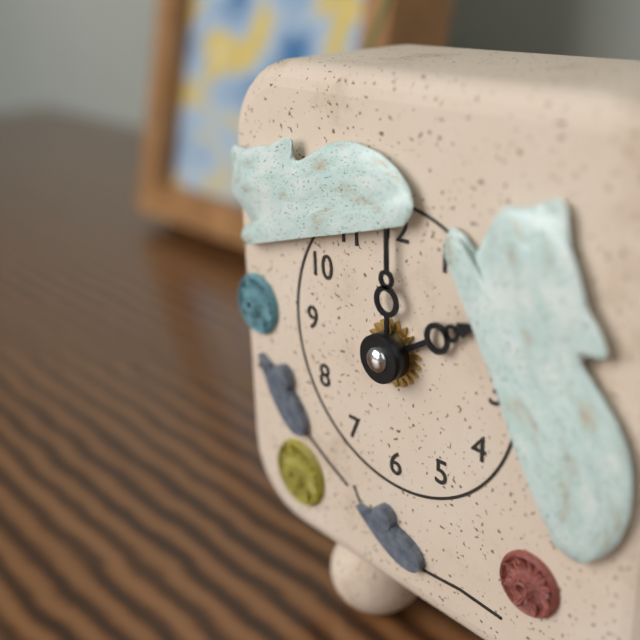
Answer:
{"hour": 2, "minute": 0}
